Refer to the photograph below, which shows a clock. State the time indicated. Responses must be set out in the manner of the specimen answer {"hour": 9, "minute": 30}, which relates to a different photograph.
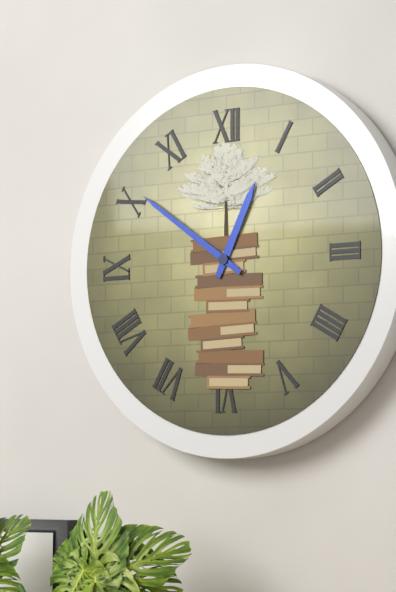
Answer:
{"hour": 12, "minute": 51}
